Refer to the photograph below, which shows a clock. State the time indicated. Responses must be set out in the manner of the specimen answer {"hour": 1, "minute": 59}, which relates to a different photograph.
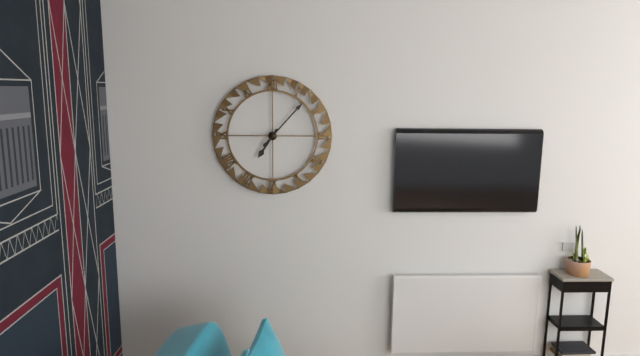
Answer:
{"hour": 7, "minute": 7}
